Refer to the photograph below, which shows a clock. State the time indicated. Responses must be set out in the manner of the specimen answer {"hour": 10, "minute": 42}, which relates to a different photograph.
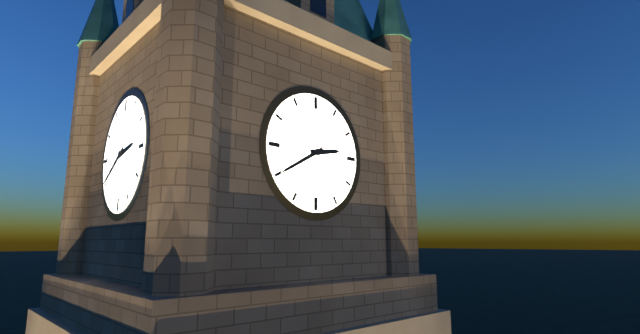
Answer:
{"hour": 2, "minute": 40}
